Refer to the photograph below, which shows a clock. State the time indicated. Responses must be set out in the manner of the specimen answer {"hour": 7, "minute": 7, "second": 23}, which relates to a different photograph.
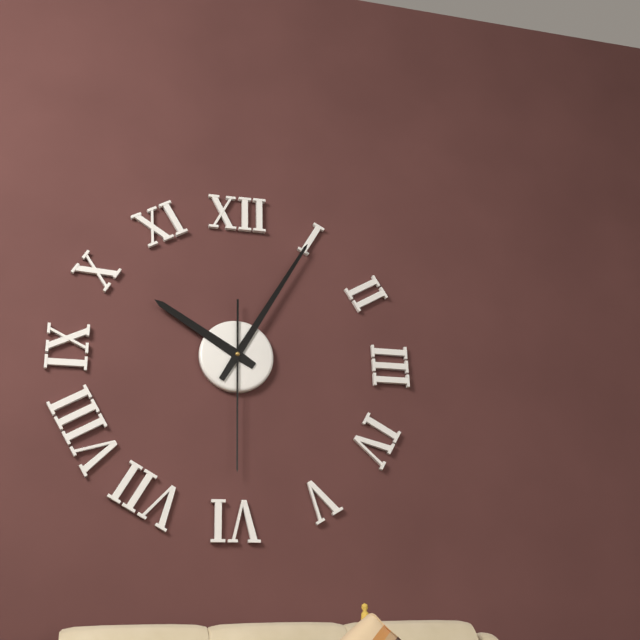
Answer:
{"hour": 10, "minute": 5, "second": 30}
